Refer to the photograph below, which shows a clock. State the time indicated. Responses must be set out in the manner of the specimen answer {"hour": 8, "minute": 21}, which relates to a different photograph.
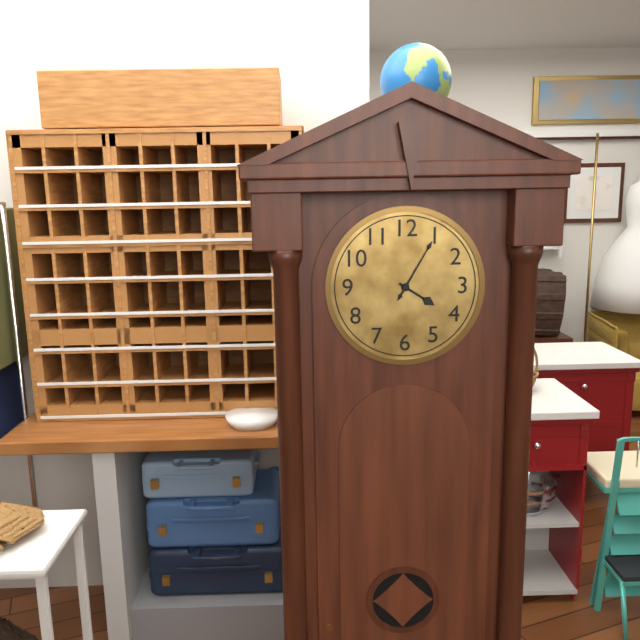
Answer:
{"hour": 4, "minute": 5}
